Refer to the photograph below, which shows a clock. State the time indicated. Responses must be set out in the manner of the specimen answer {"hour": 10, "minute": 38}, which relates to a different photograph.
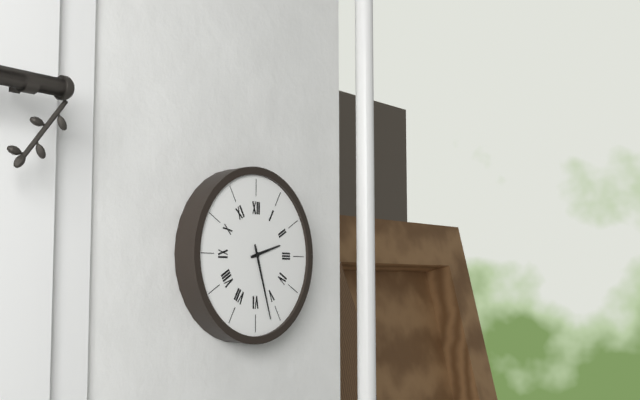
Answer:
{"hour": 2, "minute": 27}
